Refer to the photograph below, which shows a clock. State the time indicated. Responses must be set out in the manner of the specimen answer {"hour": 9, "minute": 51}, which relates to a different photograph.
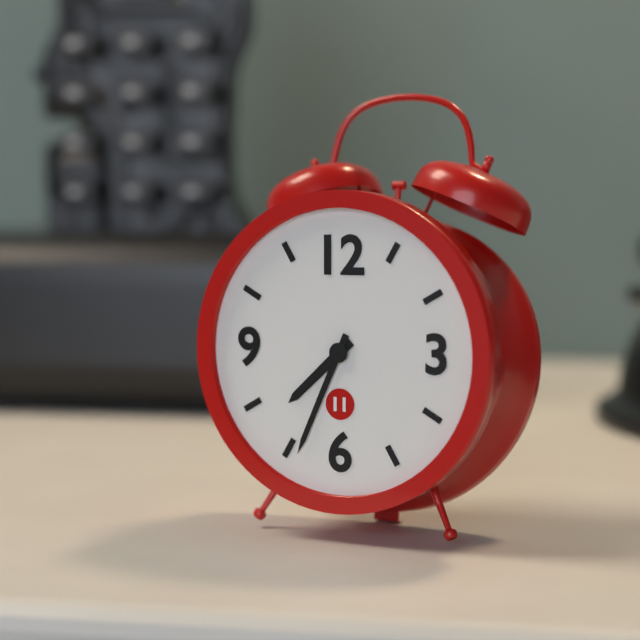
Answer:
{"hour": 7, "minute": 34}
